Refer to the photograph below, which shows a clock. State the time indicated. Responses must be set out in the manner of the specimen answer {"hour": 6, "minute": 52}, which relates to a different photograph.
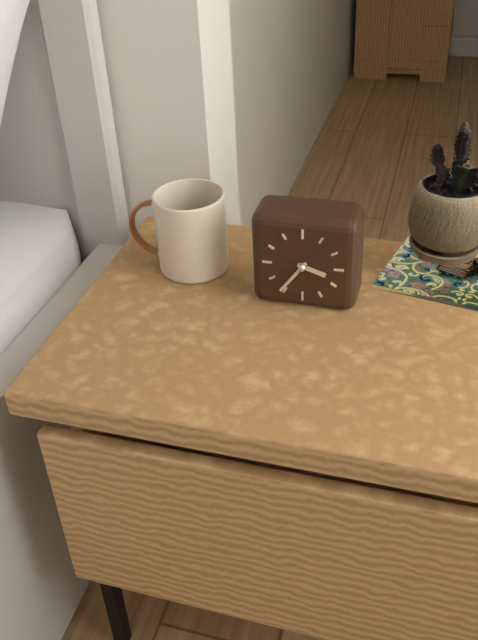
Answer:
{"hour": 3, "minute": 36}
